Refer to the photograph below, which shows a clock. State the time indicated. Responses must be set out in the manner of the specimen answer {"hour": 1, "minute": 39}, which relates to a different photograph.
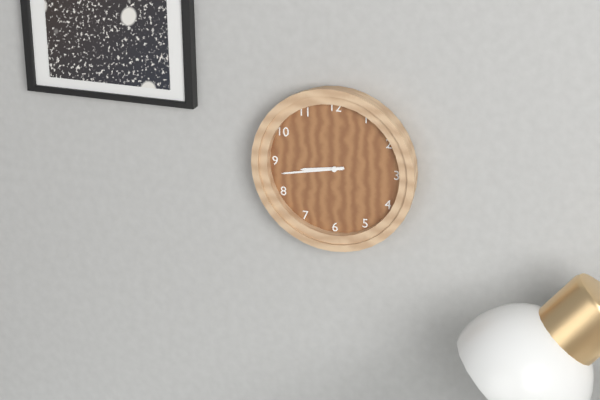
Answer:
{"hour": 8, "minute": 43}
